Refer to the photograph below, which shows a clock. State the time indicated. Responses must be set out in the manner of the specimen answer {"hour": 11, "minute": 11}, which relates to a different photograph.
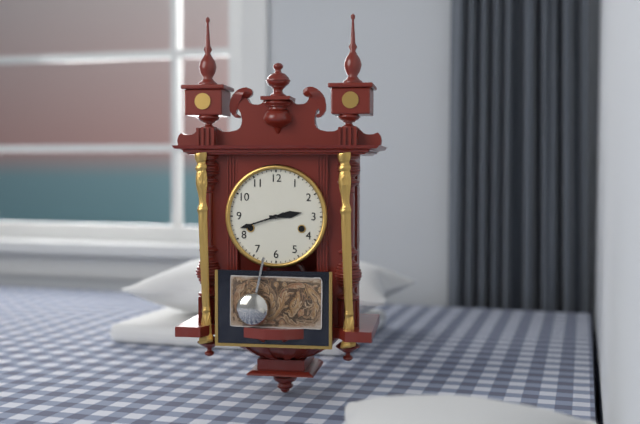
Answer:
{"hour": 2, "minute": 42}
